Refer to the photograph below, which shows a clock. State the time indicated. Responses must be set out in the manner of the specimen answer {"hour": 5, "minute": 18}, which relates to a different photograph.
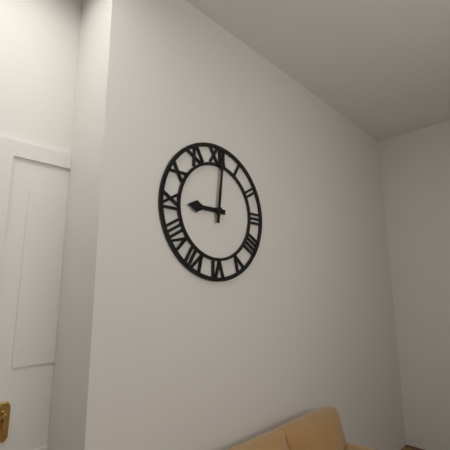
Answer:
{"hour": 9, "minute": 1}
